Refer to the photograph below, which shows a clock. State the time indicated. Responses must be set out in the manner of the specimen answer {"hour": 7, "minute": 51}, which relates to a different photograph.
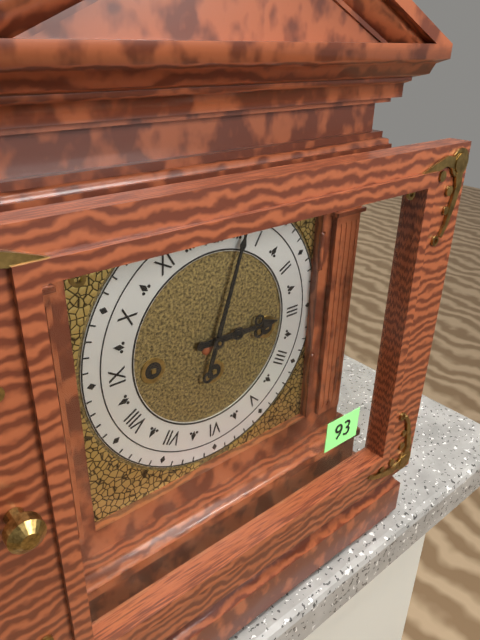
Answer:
{"hour": 3, "minute": 3}
